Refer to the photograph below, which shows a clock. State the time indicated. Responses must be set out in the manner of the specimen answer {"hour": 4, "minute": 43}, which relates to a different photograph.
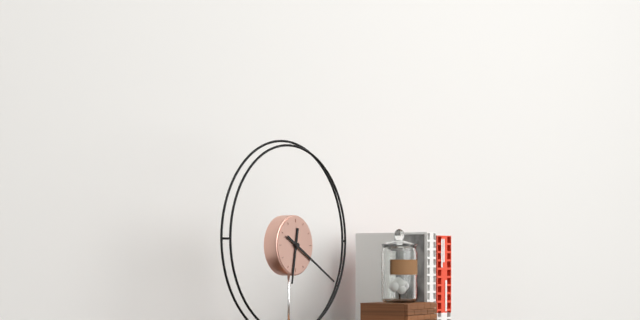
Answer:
{"hour": 6, "minute": 20}
